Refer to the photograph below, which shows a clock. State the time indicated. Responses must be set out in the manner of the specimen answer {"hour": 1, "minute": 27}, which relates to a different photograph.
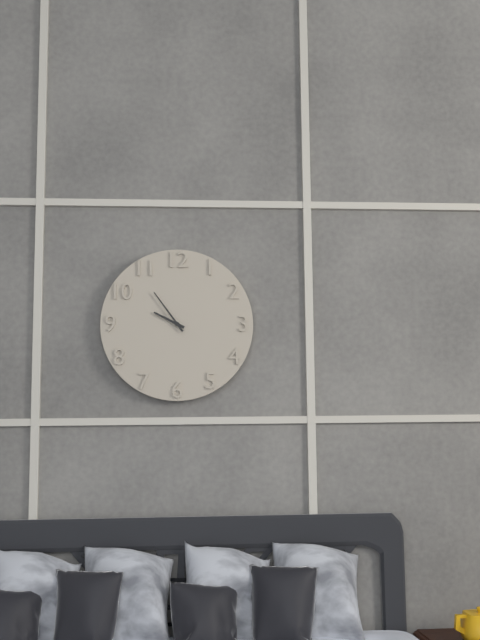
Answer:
{"hour": 9, "minute": 54}
